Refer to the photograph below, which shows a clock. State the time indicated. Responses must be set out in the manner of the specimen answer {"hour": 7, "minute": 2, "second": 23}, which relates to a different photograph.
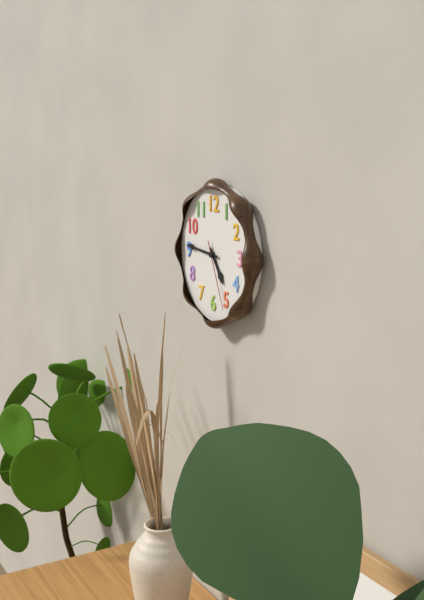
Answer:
{"hour": 4, "minute": 46, "second": 26}
